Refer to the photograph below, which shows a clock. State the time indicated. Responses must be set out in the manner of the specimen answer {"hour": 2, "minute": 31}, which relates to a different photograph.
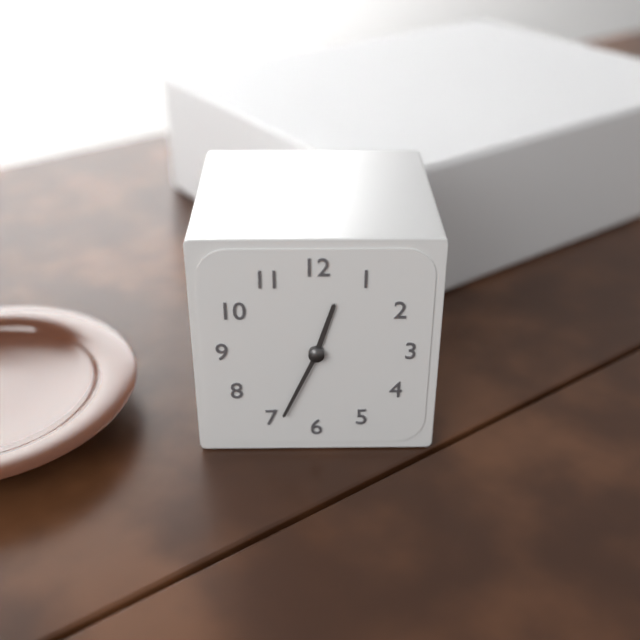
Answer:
{"hour": 12, "minute": 34}
